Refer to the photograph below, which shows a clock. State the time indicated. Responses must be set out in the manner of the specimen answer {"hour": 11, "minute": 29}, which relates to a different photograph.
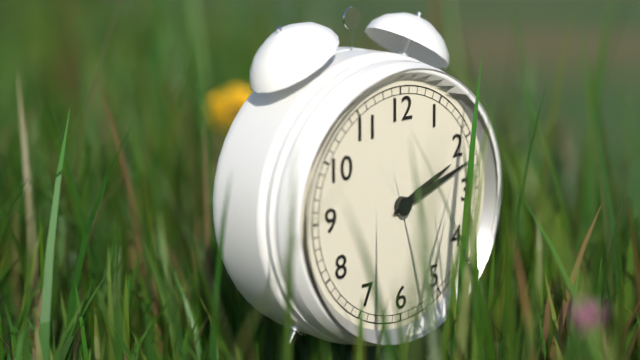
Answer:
{"hour": 2, "minute": 12}
